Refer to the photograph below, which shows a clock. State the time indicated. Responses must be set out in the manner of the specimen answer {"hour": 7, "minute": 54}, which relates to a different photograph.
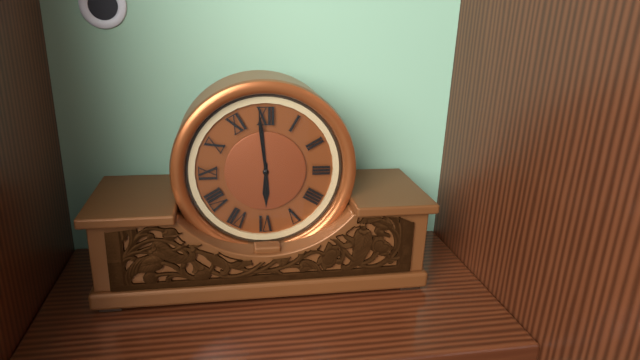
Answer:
{"hour": 5, "minute": 59}
